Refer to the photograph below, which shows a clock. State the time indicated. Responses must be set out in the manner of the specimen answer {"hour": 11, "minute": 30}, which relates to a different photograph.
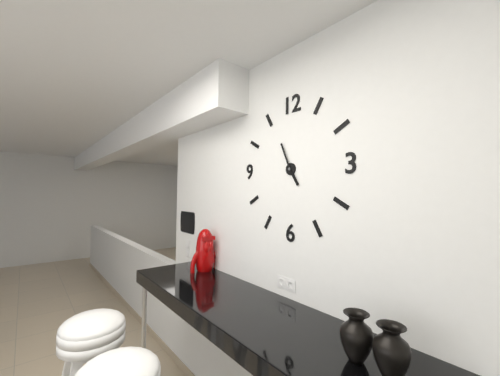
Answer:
{"hour": 4, "minute": 56}
